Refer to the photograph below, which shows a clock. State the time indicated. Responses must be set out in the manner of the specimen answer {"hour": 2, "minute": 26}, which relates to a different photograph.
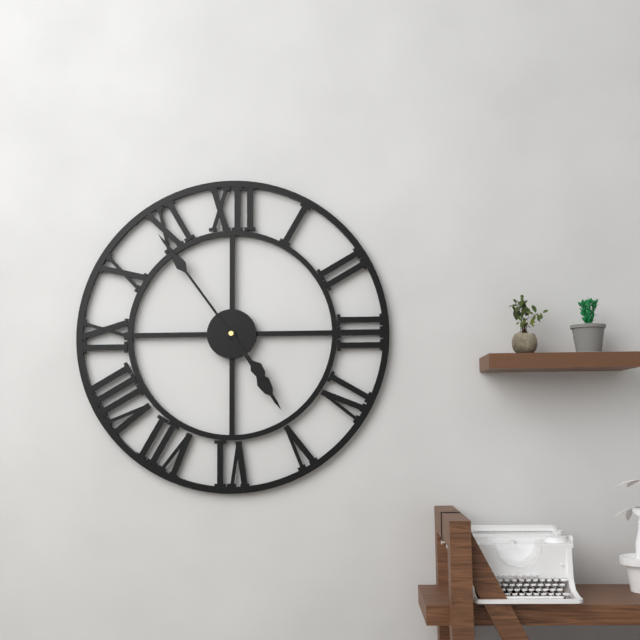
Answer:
{"hour": 4, "minute": 54}
